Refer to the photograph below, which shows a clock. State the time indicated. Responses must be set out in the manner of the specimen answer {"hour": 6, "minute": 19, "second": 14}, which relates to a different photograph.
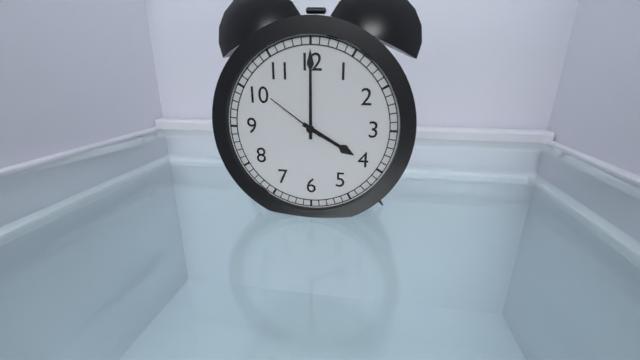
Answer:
{"hour": 4, "minute": 0, "second": 51}
